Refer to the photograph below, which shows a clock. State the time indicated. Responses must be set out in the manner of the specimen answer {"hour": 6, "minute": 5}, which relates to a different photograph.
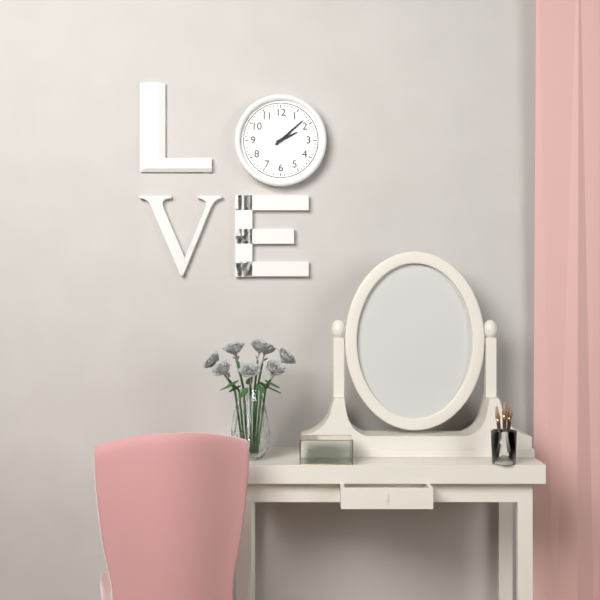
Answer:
{"hour": 2, "minute": 8}
